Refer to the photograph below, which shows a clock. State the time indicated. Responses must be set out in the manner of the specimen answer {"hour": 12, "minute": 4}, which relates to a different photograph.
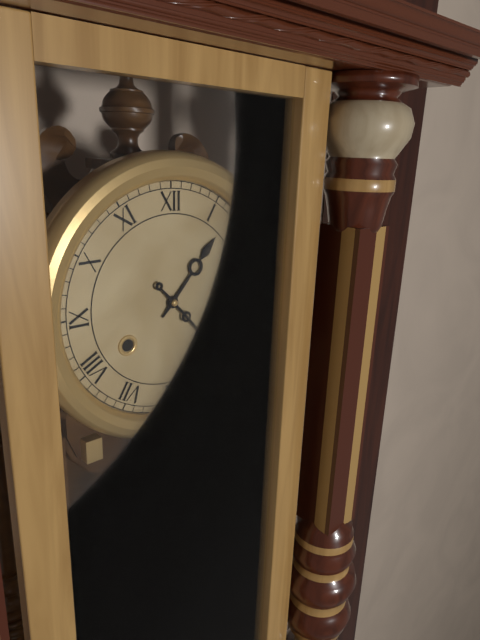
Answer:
{"hour": 1, "minute": 23}
